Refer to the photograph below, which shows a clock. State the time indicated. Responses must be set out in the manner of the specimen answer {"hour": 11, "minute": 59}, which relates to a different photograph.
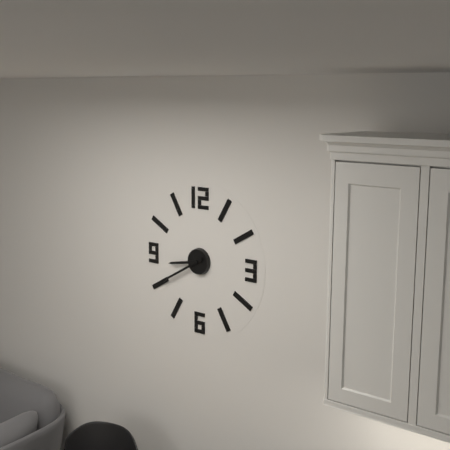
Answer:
{"hour": 8, "minute": 40}
